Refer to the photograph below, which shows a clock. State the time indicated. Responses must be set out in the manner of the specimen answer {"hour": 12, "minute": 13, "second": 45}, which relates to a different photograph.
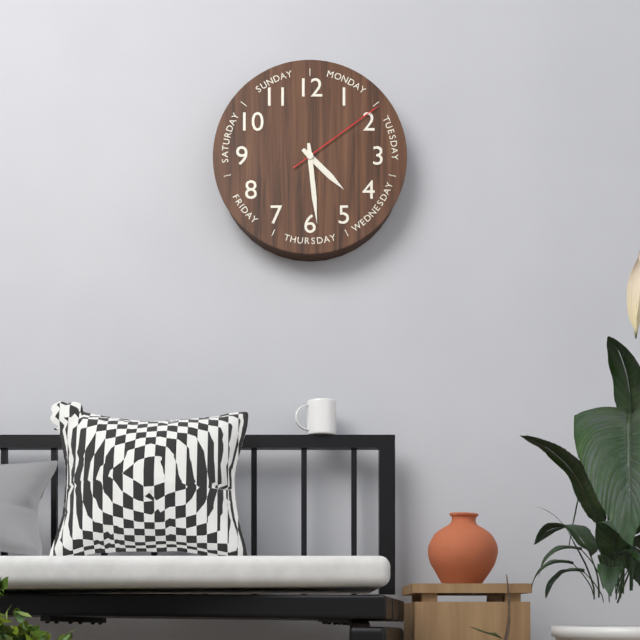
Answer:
{"hour": 4, "minute": 29, "second": 9}
